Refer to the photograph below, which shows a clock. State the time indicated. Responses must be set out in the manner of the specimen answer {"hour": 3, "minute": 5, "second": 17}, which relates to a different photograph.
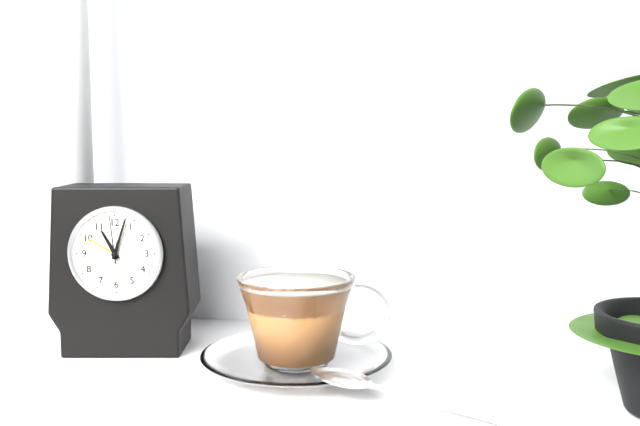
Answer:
{"hour": 11, "minute": 3, "second": 59}
